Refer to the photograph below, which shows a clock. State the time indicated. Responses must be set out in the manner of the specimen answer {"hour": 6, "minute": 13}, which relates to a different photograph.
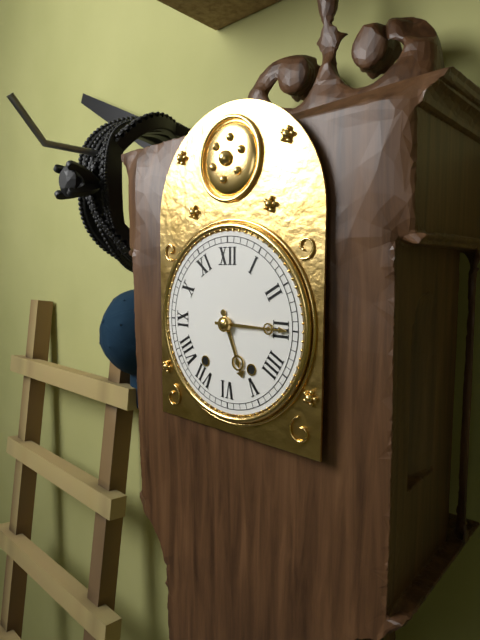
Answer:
{"hour": 5, "minute": 15}
